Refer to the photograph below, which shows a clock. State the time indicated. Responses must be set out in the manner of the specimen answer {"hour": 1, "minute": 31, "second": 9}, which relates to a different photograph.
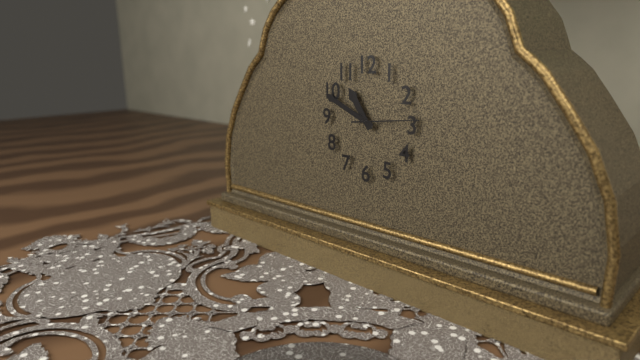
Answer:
{"hour": 10, "minute": 49, "second": 14}
